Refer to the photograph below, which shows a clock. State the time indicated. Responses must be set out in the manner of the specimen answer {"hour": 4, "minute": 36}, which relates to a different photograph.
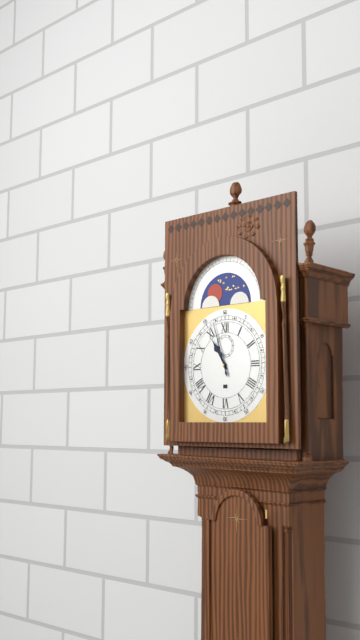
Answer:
{"hour": 10, "minute": 57}
